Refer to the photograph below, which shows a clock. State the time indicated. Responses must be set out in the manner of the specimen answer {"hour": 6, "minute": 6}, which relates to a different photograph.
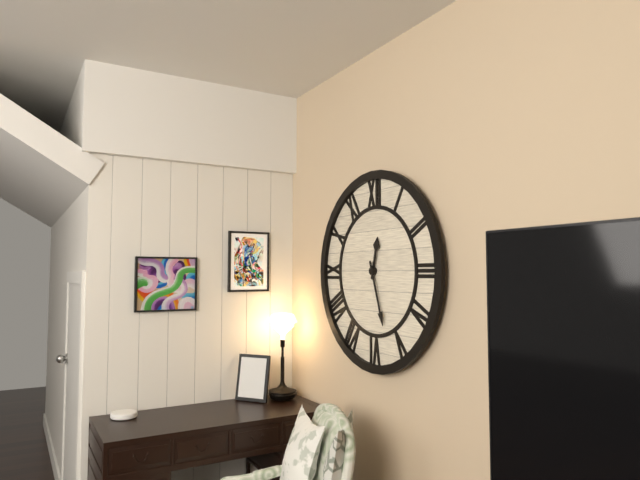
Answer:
{"hour": 12, "minute": 27}
